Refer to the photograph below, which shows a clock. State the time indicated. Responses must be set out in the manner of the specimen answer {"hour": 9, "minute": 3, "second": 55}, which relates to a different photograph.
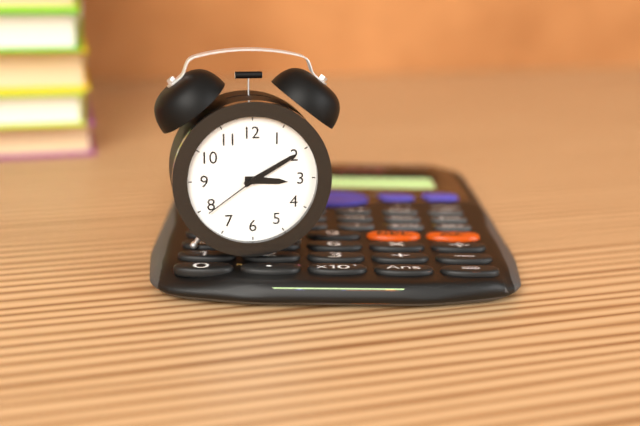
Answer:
{"hour": 3, "minute": 10, "second": 39}
